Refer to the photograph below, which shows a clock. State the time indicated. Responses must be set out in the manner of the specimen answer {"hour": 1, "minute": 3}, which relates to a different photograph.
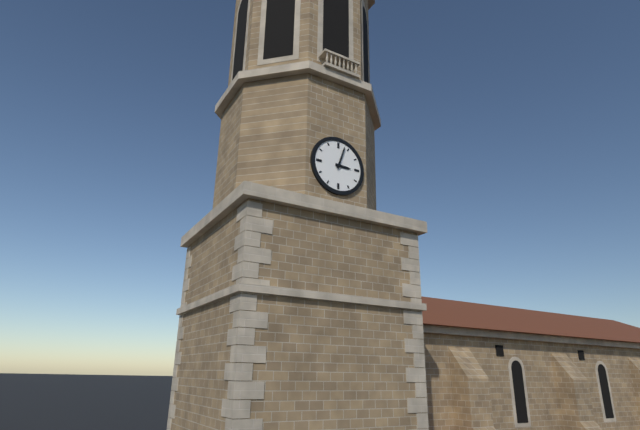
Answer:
{"hour": 3, "minute": 3}
